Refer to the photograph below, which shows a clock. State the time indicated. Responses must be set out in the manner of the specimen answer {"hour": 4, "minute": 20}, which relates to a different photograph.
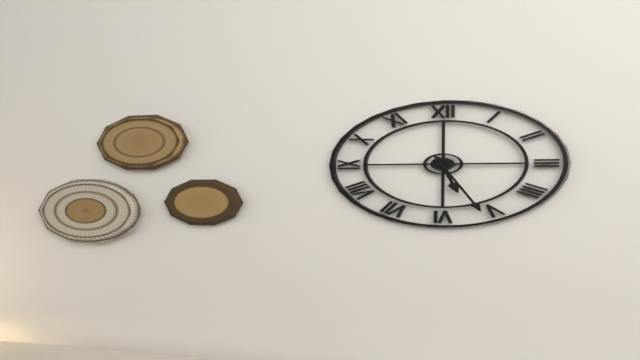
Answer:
{"hour": 5, "minute": 26}
